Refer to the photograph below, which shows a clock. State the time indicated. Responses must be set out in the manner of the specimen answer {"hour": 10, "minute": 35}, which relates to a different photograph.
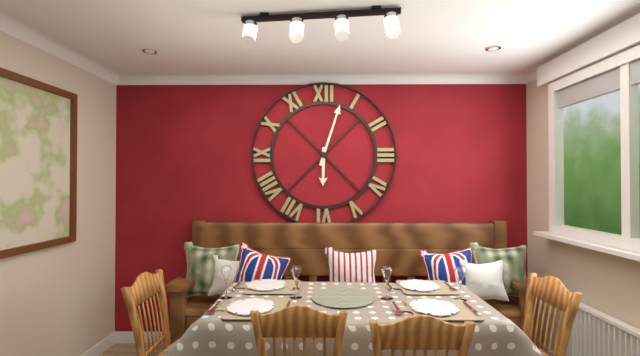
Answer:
{"hour": 6, "minute": 3}
